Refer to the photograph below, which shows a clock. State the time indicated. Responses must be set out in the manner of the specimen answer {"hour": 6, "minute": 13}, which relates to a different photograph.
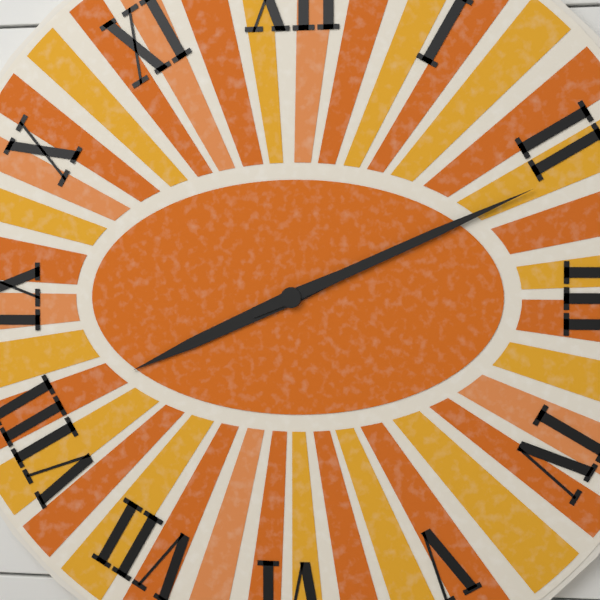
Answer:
{"hour": 8, "minute": 11}
